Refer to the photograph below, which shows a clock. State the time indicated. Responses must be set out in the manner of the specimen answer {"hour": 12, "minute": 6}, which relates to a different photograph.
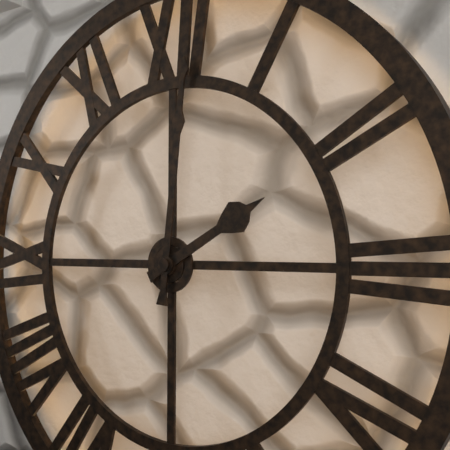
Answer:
{"hour": 2, "minute": 1}
